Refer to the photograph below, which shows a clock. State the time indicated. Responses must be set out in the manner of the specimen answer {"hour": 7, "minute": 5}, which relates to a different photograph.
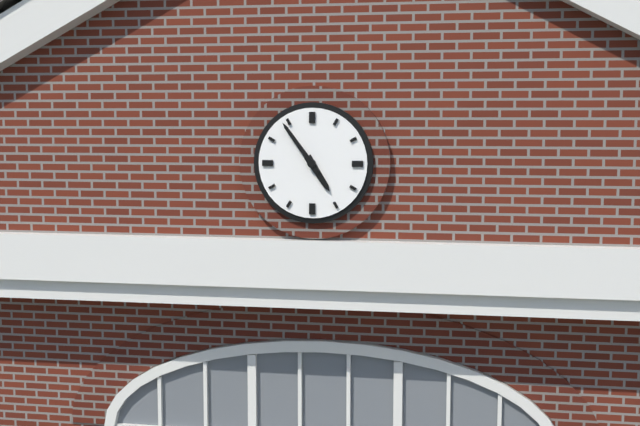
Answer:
{"hour": 4, "minute": 54}
